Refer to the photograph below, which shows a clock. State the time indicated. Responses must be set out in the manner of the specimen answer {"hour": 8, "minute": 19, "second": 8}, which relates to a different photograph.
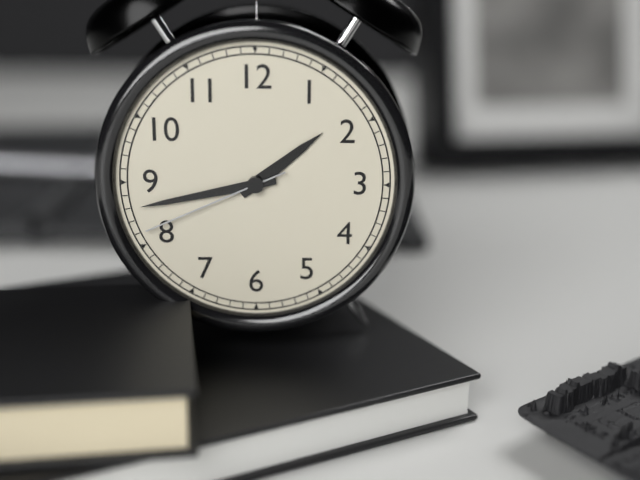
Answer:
{"hour": 1, "minute": 43, "second": 41}
